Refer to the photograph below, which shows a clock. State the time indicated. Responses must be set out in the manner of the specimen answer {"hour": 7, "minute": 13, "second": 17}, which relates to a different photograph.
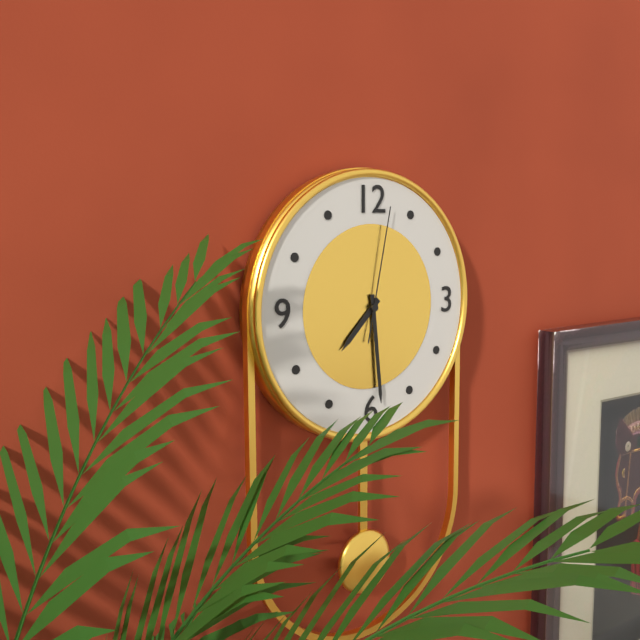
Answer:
{"hour": 7, "minute": 29, "second": 2}
